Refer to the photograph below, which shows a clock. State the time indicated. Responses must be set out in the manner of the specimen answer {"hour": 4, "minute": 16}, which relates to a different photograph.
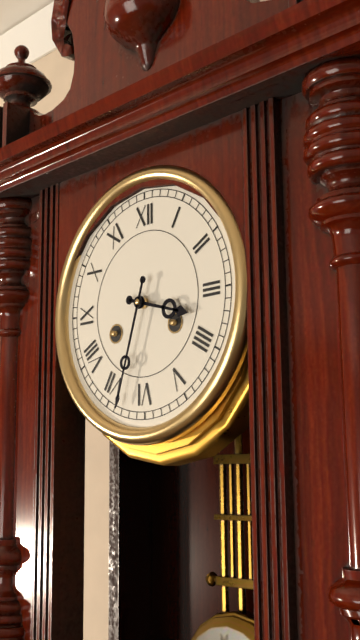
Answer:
{"hour": 3, "minute": 33}
